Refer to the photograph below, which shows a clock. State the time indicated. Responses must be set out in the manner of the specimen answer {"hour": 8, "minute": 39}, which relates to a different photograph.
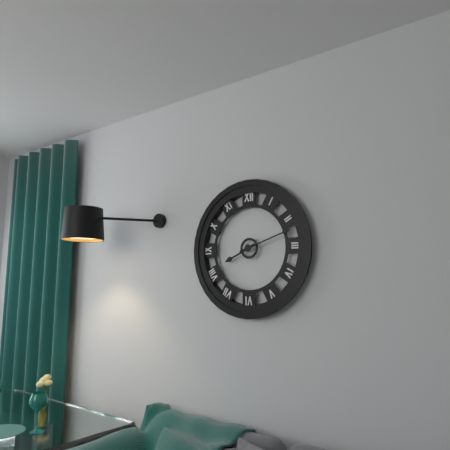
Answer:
{"hour": 8, "minute": 12}
